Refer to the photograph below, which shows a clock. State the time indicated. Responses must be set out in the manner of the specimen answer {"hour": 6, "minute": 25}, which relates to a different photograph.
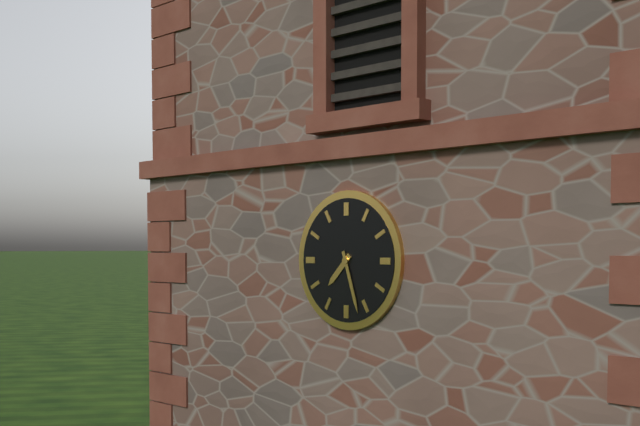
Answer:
{"hour": 7, "minute": 27}
